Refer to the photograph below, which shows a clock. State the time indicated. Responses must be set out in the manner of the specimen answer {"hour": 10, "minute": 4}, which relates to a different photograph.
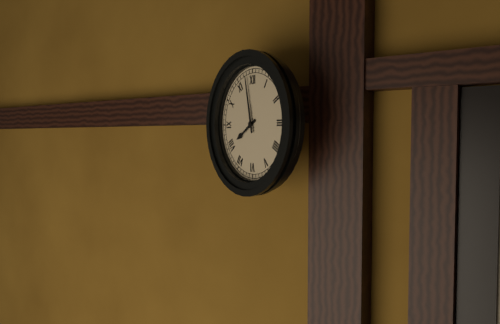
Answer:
{"hour": 7, "minute": 58}
